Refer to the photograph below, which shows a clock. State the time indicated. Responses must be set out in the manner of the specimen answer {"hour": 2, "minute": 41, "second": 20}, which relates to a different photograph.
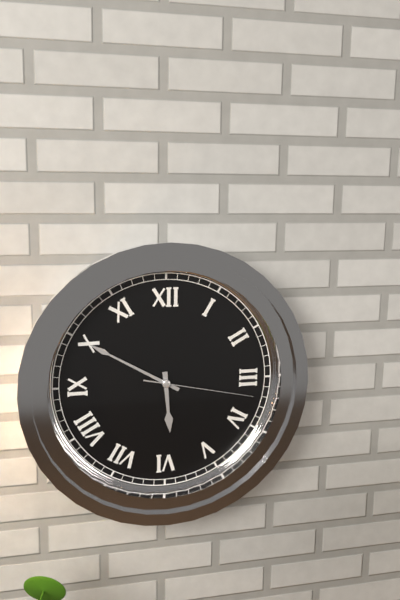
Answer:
{"hour": 5, "minute": 50, "second": 17}
